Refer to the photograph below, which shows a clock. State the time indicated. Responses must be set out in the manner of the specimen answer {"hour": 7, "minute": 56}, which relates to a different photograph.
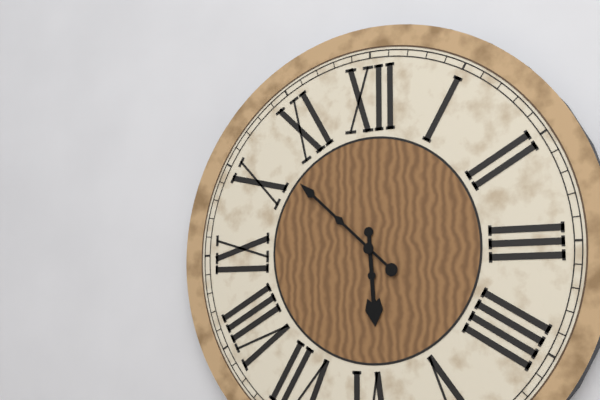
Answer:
{"hour": 5, "minute": 52}
